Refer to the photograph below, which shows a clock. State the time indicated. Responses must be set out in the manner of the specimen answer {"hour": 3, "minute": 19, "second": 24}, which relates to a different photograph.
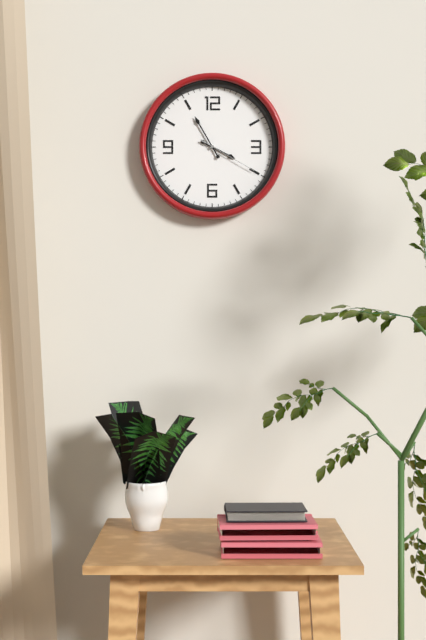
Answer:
{"hour": 3, "minute": 55, "second": 20}
